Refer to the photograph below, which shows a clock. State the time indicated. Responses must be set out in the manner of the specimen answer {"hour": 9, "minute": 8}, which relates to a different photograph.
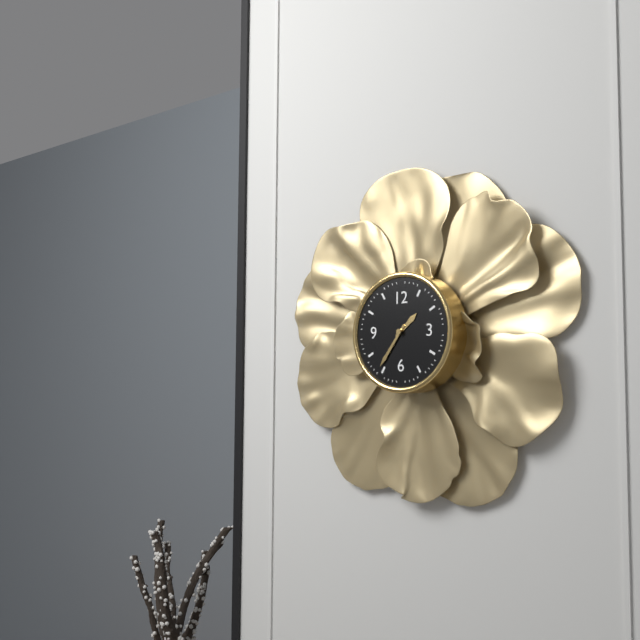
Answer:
{"hour": 1, "minute": 36}
